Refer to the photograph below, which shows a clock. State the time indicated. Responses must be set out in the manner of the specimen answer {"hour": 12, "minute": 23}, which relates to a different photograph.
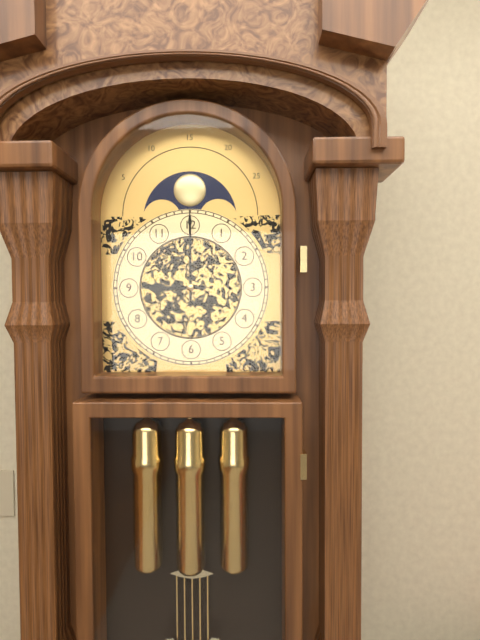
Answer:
{"hour": 9, "minute": 0}
